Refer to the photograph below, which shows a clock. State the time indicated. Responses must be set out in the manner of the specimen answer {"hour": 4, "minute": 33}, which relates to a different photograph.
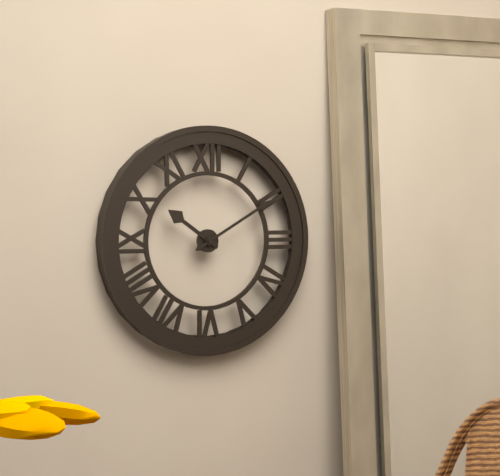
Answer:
{"hour": 10, "minute": 10}
